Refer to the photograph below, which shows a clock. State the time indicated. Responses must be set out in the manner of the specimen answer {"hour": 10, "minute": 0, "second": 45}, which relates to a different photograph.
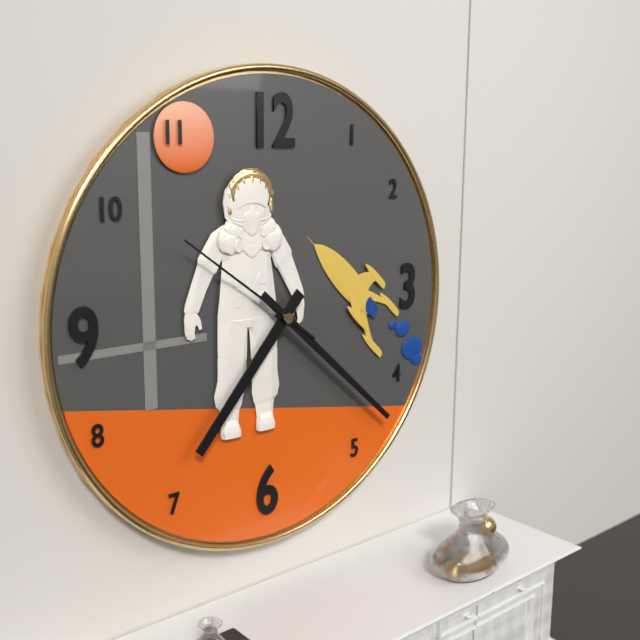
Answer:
{"hour": 7, "minute": 22, "second": 51}
